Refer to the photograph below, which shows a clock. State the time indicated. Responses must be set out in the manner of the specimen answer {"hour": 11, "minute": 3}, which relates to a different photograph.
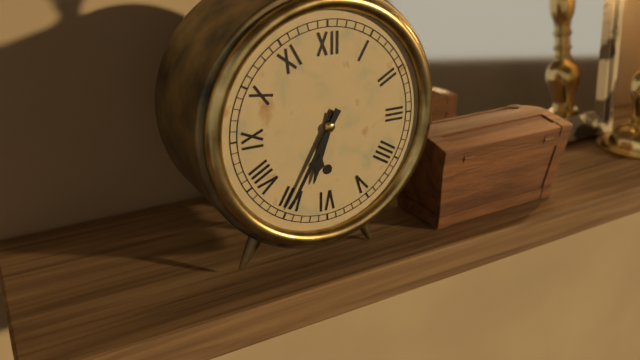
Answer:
{"hour": 6, "minute": 35}
